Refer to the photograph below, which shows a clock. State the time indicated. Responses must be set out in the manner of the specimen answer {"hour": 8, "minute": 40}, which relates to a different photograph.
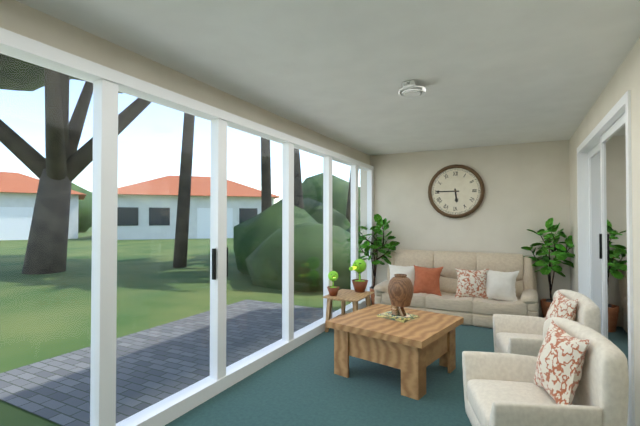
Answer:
{"hour": 5, "minute": 45}
